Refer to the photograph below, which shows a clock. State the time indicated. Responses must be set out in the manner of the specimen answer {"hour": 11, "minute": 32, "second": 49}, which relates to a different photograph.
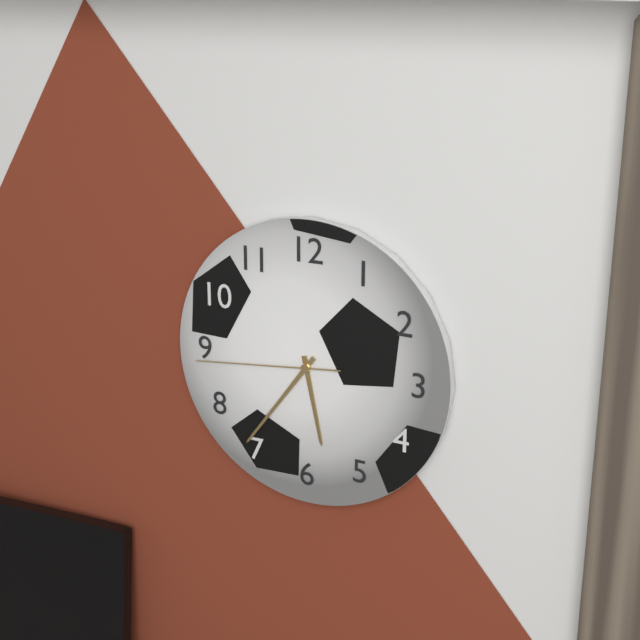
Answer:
{"hour": 5, "minute": 36, "second": 44}
